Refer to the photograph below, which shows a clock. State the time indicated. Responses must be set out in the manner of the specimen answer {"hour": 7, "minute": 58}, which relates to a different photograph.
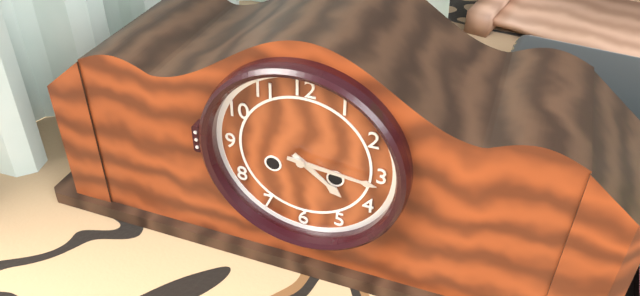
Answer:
{"hour": 4, "minute": 16}
